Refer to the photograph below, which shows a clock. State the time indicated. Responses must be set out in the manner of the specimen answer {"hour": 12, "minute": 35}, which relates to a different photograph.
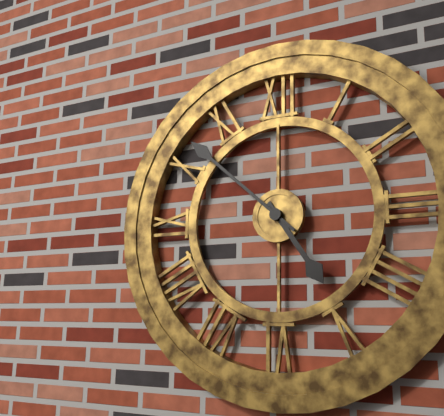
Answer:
{"hour": 4, "minute": 52}
